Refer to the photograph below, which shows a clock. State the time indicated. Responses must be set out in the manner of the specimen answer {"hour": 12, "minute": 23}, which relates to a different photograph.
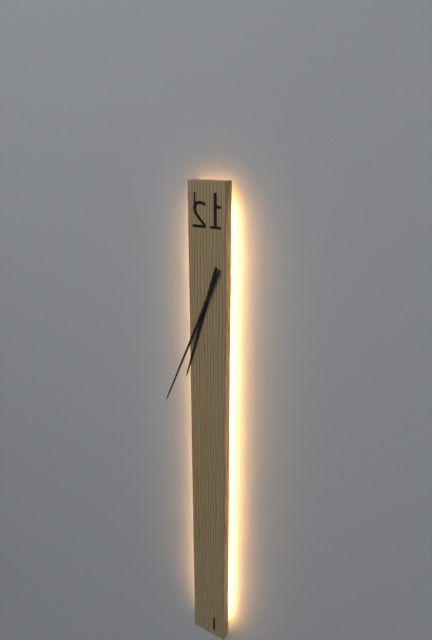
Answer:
{"hour": 6, "minute": 34}
